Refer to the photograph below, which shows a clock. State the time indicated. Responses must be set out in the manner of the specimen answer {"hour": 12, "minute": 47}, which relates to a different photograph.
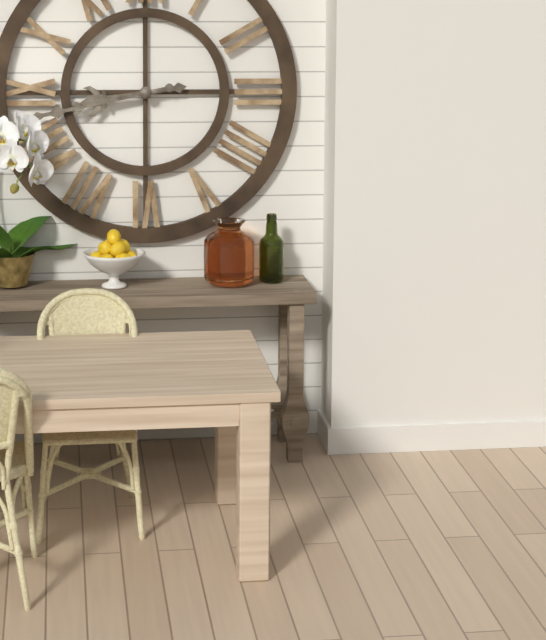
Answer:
{"hour": 8, "minute": 43}
